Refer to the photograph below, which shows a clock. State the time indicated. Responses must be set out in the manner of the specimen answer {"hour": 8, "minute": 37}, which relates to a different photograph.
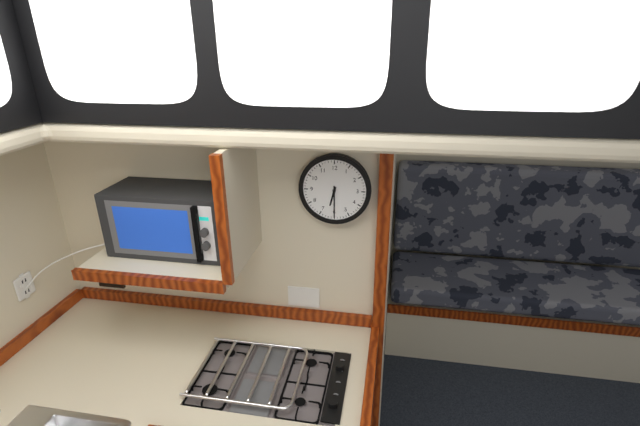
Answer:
{"hour": 6, "minute": 30}
